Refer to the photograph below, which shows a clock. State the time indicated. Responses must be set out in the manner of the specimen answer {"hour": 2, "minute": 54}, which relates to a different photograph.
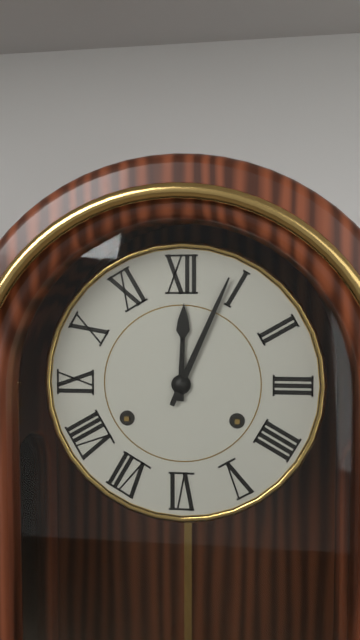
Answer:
{"hour": 12, "minute": 4}
